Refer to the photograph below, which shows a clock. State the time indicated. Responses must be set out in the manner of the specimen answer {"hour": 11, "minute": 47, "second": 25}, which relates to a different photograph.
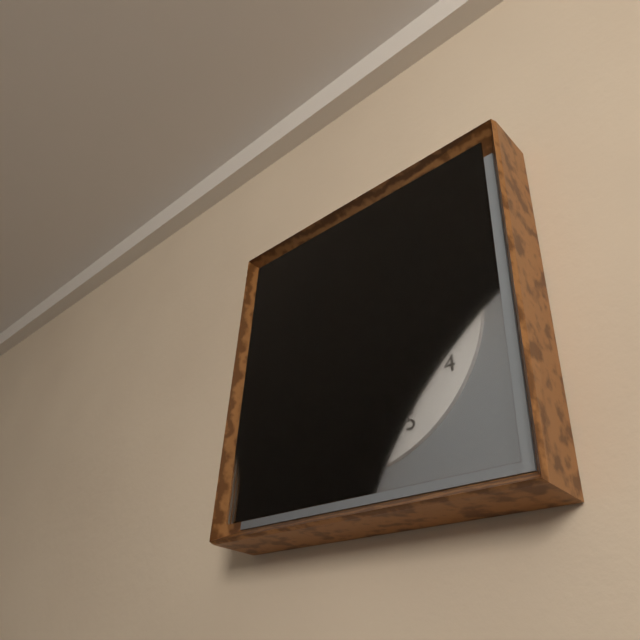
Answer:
{"hour": 7, "minute": 56, "second": 15}
